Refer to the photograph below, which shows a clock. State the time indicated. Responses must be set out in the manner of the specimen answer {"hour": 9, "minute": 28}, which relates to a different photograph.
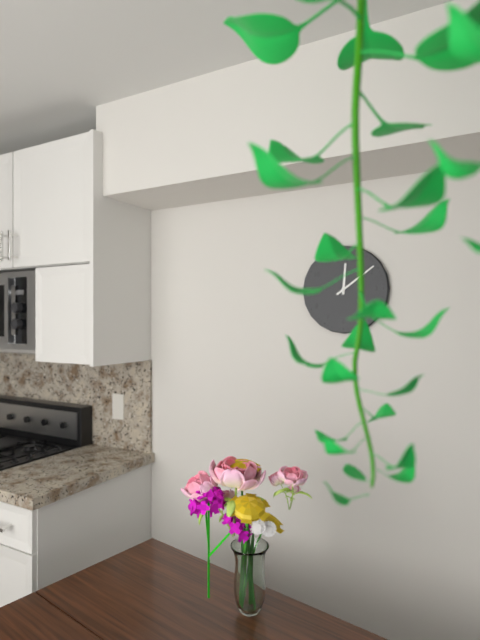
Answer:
{"hour": 12, "minute": 9}
